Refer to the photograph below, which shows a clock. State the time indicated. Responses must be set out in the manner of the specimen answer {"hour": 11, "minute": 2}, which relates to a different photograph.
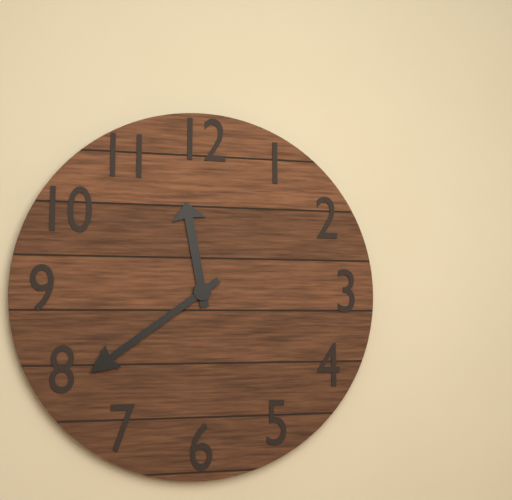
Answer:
{"hour": 11, "minute": 39}
